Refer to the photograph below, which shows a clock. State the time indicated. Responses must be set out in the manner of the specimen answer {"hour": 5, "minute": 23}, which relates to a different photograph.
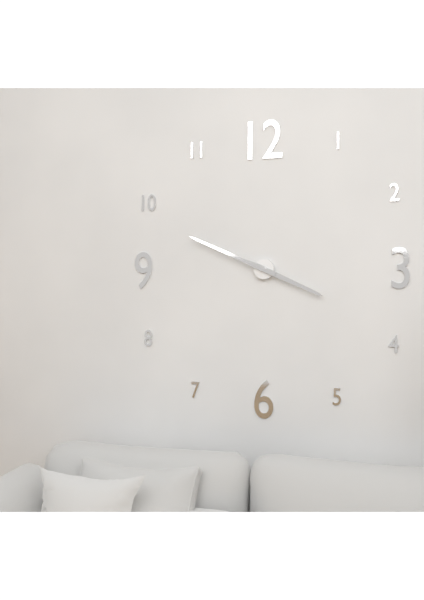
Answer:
{"hour": 3, "minute": 49}
